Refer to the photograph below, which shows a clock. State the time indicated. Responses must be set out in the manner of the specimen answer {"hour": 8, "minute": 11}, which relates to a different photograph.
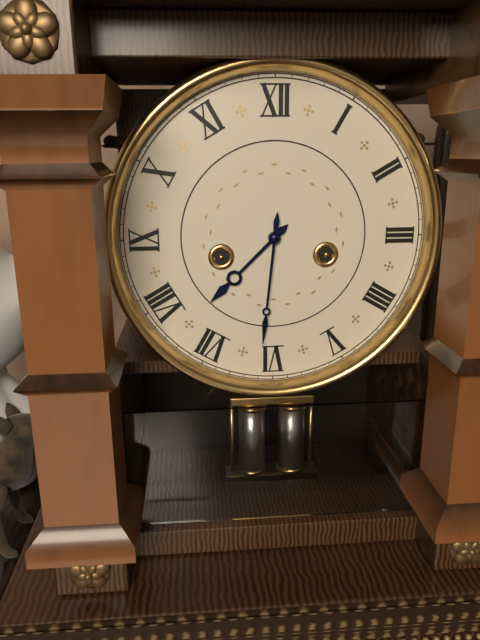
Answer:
{"hour": 7, "minute": 31}
